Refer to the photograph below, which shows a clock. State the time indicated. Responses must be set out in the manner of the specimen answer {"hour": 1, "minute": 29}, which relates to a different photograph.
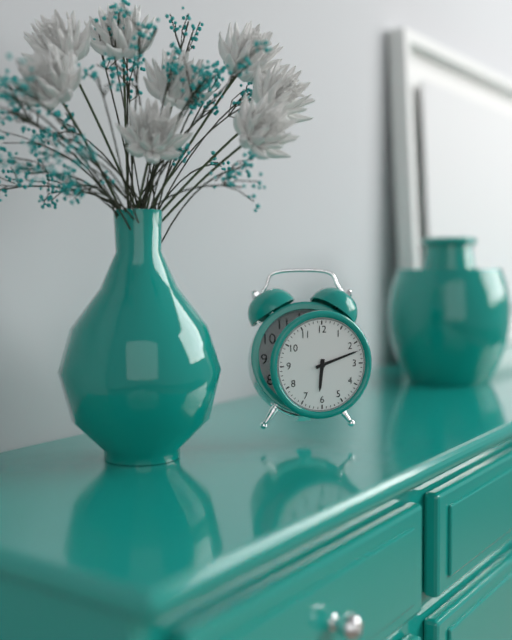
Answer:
{"hour": 6, "minute": 12}
